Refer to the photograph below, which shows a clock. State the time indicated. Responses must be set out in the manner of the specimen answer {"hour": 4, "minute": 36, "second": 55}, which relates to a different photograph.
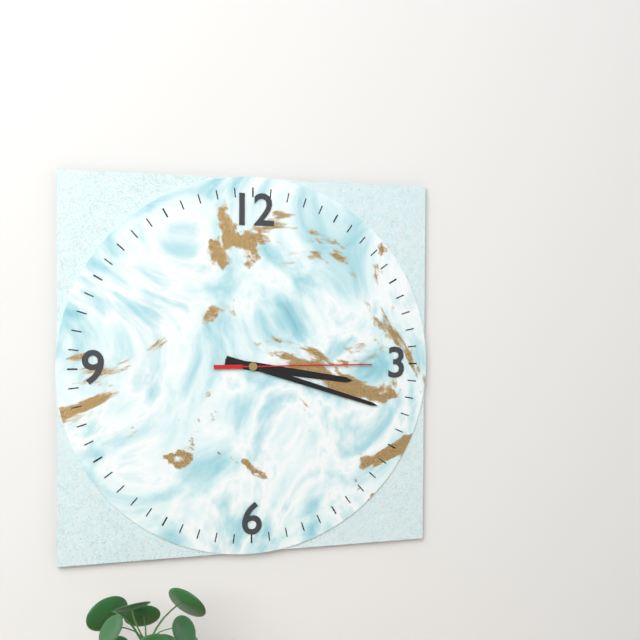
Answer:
{"hour": 3, "minute": 18, "second": 15}
